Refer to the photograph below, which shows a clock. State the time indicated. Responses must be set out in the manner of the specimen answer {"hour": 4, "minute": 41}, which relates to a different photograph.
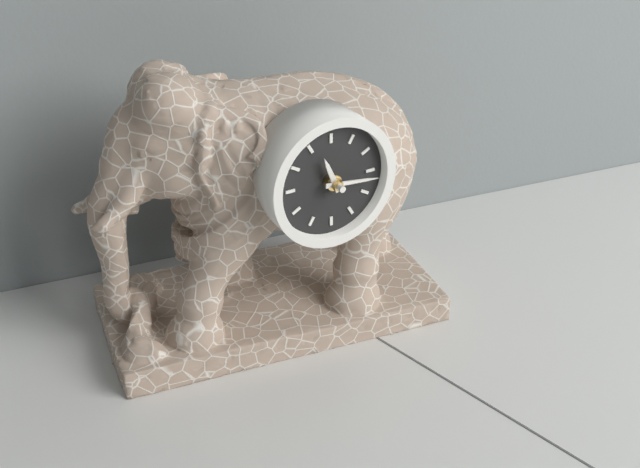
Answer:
{"hour": 11, "minute": 16}
